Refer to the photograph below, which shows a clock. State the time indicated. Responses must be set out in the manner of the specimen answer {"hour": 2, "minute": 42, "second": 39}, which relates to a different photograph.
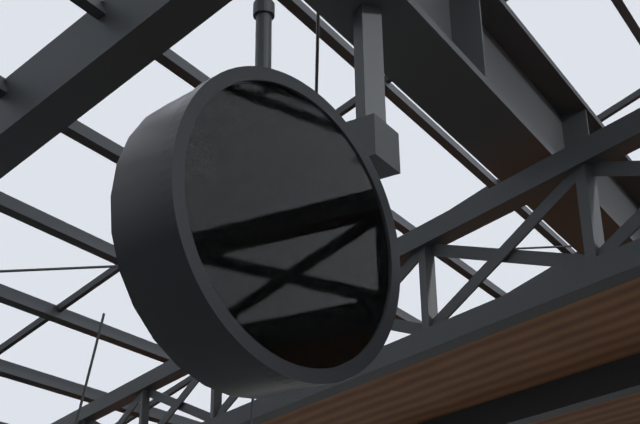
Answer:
{"hour": 1, "minute": 4, "second": 36}
